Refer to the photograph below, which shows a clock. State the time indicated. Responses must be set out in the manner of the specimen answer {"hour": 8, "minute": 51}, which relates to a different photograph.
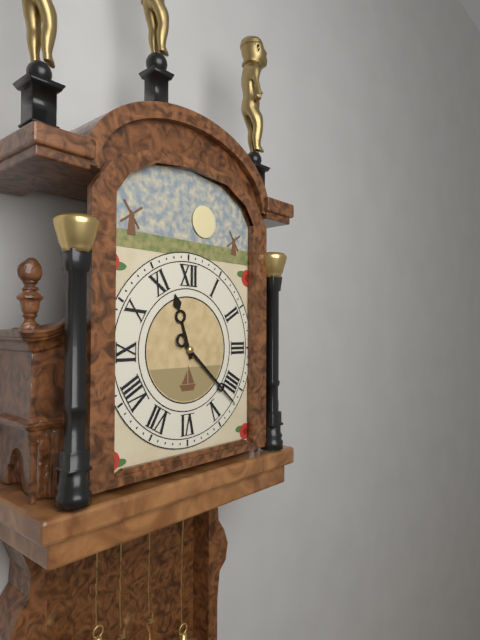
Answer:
{"hour": 11, "minute": 22}
